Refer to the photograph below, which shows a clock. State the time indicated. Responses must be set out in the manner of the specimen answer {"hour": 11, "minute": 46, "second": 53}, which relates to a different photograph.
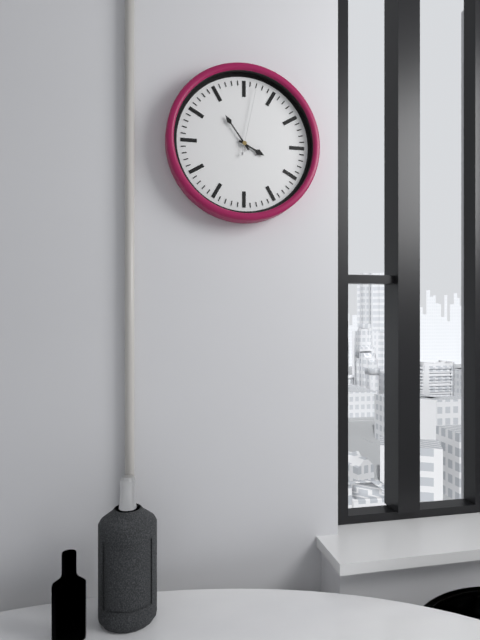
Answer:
{"hour": 3, "minute": 54, "second": 2}
